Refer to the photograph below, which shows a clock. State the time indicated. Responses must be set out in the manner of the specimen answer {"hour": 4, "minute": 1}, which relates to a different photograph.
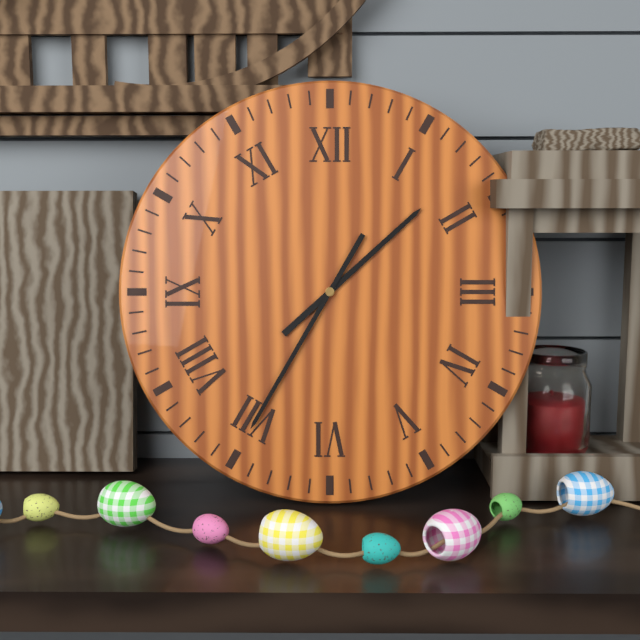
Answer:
{"hour": 1, "minute": 35}
